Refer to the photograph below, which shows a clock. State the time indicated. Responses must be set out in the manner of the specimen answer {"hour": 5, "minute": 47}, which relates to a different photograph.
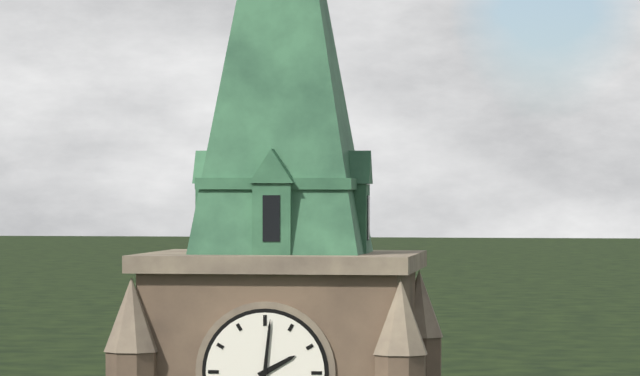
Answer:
{"hour": 2, "minute": 1}
